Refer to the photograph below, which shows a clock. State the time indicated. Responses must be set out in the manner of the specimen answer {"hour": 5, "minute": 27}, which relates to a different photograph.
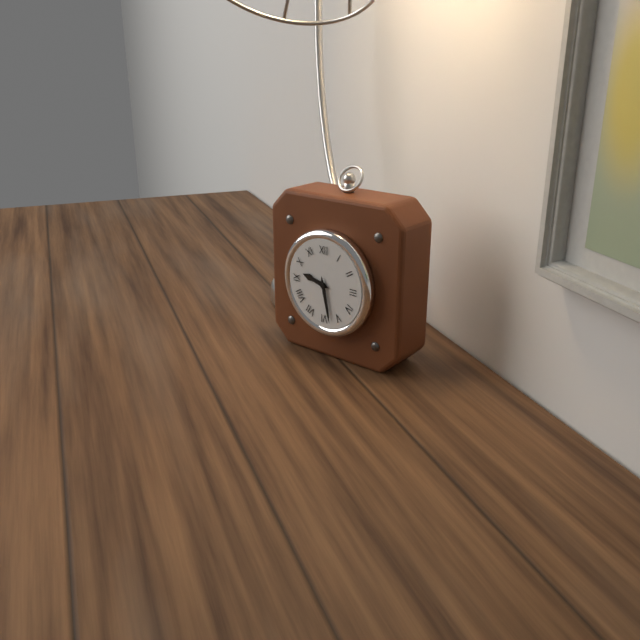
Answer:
{"hour": 9, "minute": 28}
